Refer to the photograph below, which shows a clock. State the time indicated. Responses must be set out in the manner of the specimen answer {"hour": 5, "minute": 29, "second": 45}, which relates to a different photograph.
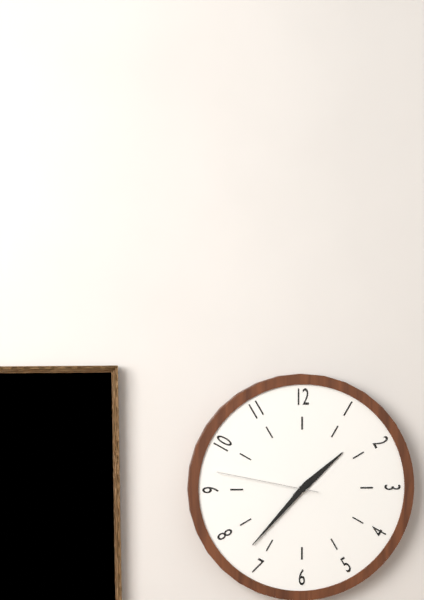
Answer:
{"hour": 1, "minute": 37, "second": 47}
